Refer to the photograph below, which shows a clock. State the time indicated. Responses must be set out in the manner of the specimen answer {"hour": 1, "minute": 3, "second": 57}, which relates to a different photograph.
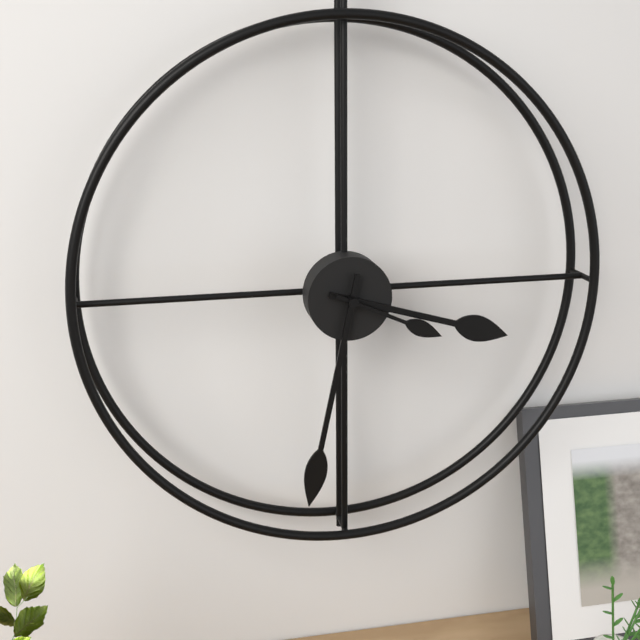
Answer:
{"hour": 3, "minute": 32, "second": 19}
